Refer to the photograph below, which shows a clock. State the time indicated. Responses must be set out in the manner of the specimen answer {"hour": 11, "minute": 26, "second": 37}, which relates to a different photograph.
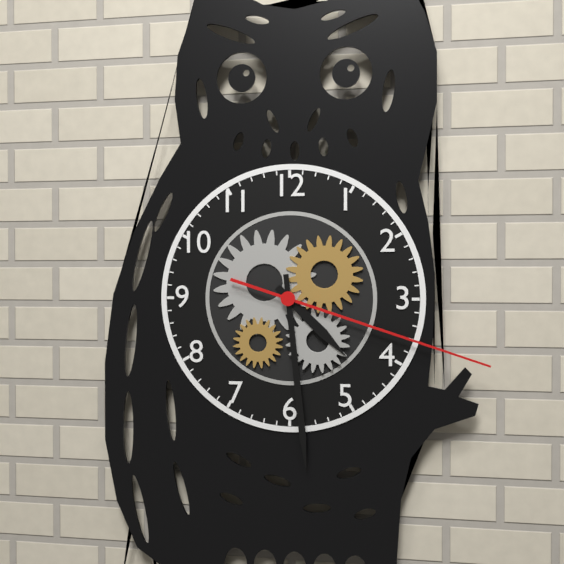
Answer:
{"hour": 4, "minute": 29, "second": 18}
